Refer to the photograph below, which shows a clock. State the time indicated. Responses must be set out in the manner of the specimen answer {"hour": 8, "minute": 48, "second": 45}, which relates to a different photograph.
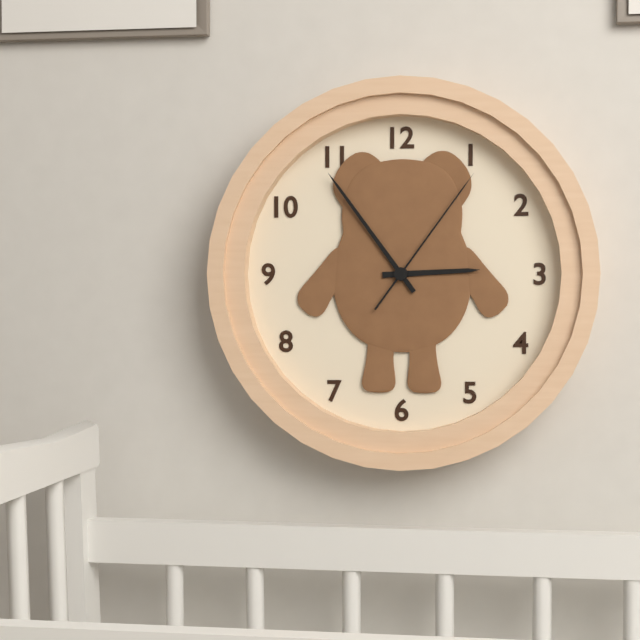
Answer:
{"hour": 2, "minute": 54, "second": 6}
